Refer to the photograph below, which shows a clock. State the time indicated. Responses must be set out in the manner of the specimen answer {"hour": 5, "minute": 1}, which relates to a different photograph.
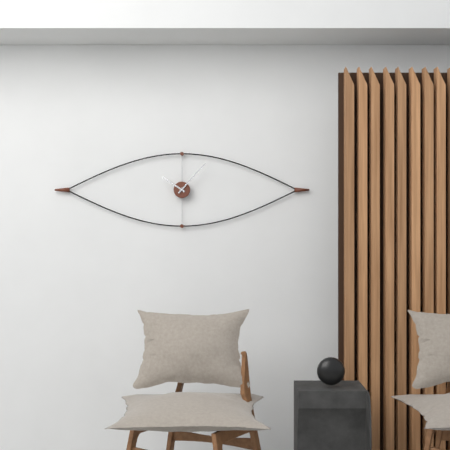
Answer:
{"hour": 10, "minute": 7}
